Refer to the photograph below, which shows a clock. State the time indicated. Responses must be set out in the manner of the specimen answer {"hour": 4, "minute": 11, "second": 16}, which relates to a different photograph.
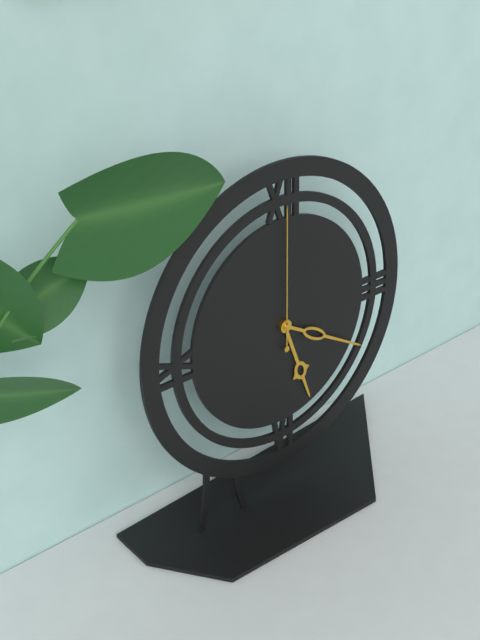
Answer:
{"hour": 5, "minute": 20, "second": 0}
